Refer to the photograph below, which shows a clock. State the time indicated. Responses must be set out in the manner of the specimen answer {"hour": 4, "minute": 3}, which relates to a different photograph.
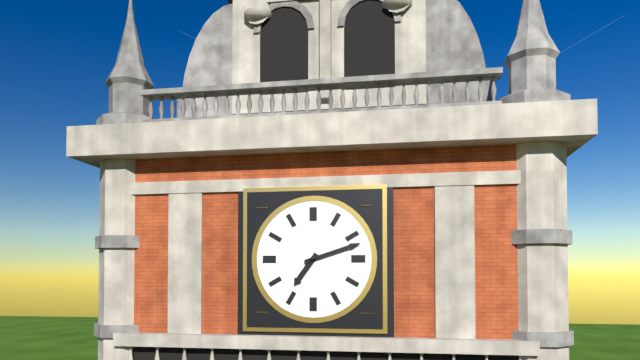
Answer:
{"hour": 7, "minute": 12}
